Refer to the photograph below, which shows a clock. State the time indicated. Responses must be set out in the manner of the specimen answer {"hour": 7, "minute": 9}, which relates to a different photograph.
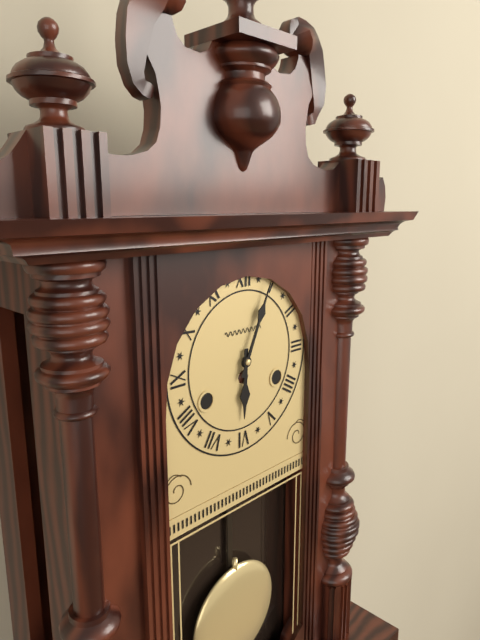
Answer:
{"hour": 6, "minute": 4}
